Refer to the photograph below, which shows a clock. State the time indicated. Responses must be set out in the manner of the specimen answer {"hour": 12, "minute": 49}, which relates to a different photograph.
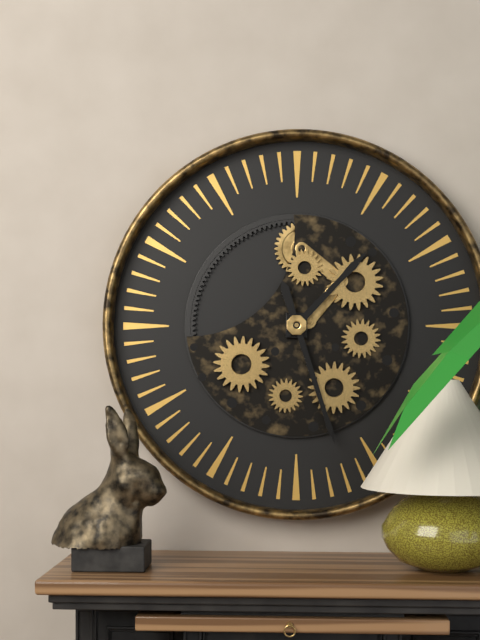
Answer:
{"hour": 1, "minute": 27}
